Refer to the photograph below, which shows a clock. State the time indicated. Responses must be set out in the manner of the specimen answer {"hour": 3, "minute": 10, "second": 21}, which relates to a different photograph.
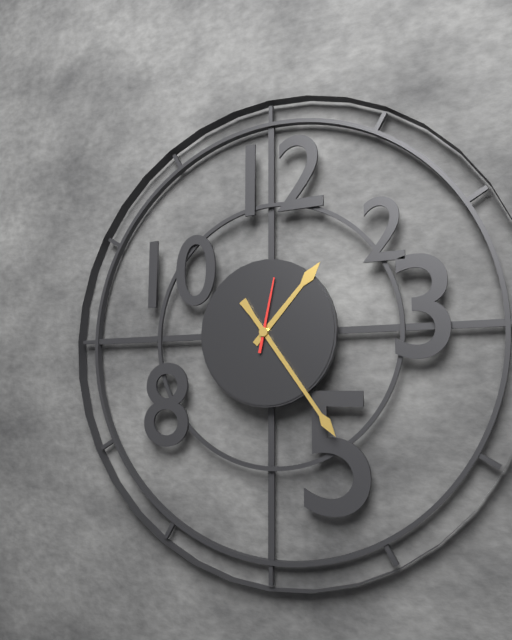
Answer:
{"hour": 1, "minute": 24, "second": 2}
